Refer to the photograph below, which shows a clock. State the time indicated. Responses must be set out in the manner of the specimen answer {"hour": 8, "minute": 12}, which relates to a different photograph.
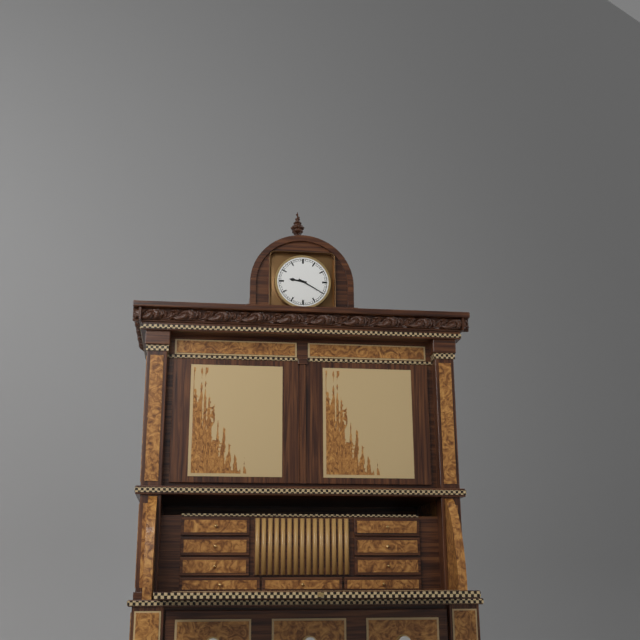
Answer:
{"hour": 9, "minute": 20}
